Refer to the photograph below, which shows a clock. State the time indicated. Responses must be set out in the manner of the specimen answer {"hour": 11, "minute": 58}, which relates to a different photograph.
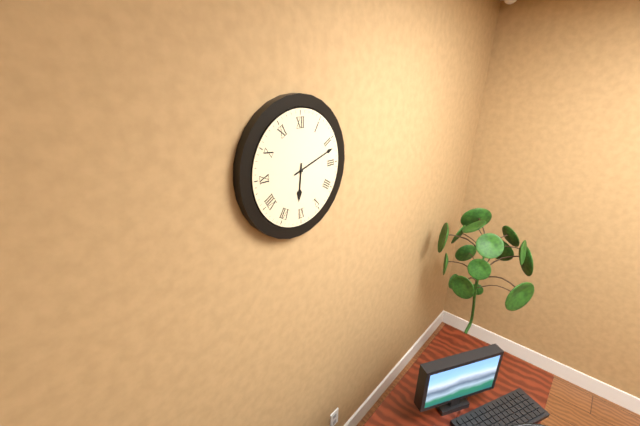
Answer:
{"hour": 6, "minute": 12}
